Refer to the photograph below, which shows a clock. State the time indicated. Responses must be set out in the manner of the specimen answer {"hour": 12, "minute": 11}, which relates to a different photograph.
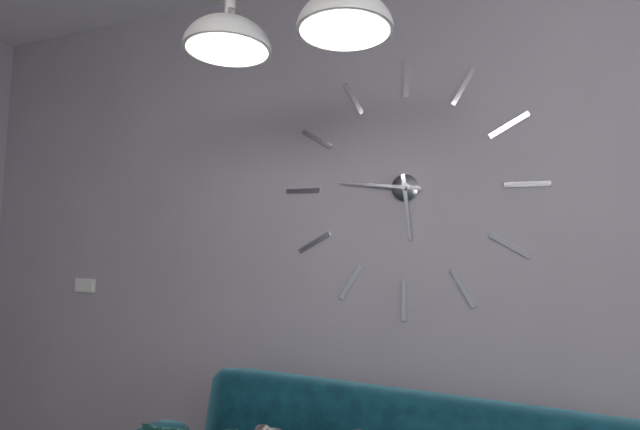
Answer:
{"hour": 5, "minute": 46}
